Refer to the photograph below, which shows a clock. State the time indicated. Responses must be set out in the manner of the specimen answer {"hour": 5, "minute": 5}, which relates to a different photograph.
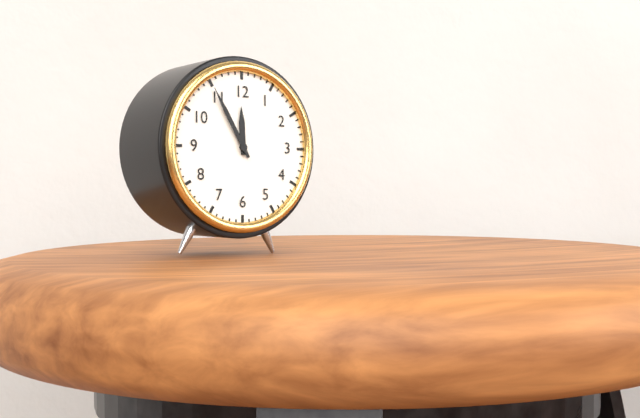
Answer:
{"hour": 11, "minute": 55}
